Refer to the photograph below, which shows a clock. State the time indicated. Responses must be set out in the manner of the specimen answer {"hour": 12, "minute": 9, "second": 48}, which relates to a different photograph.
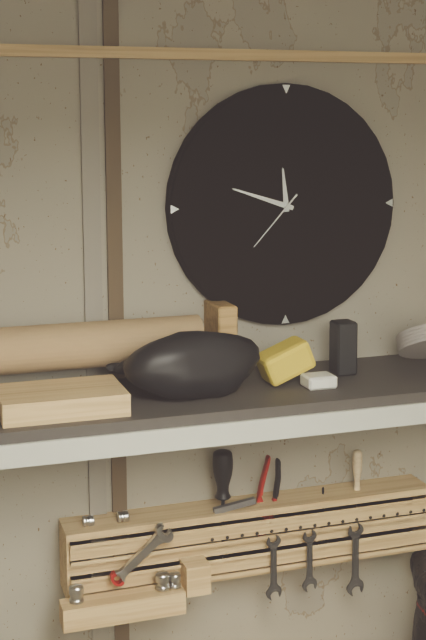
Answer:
{"hour": 11, "minute": 48, "second": 37}
